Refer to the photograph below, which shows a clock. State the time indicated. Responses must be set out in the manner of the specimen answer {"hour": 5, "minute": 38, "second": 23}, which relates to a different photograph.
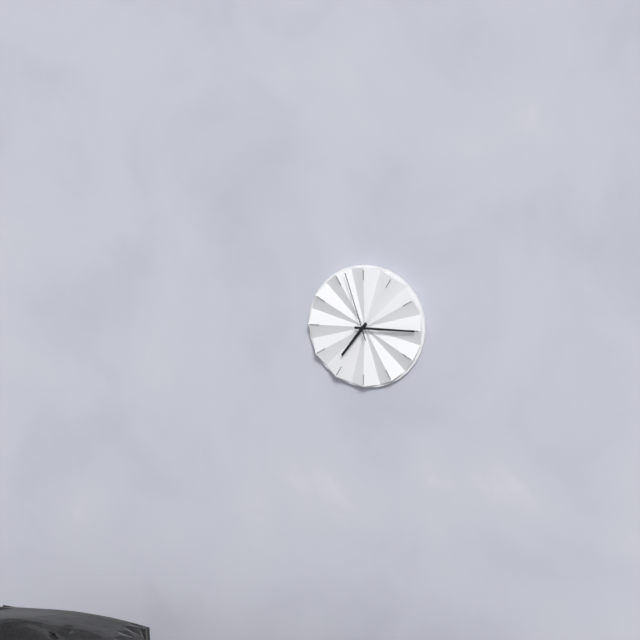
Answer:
{"hour": 7, "minute": 15, "second": 57}
